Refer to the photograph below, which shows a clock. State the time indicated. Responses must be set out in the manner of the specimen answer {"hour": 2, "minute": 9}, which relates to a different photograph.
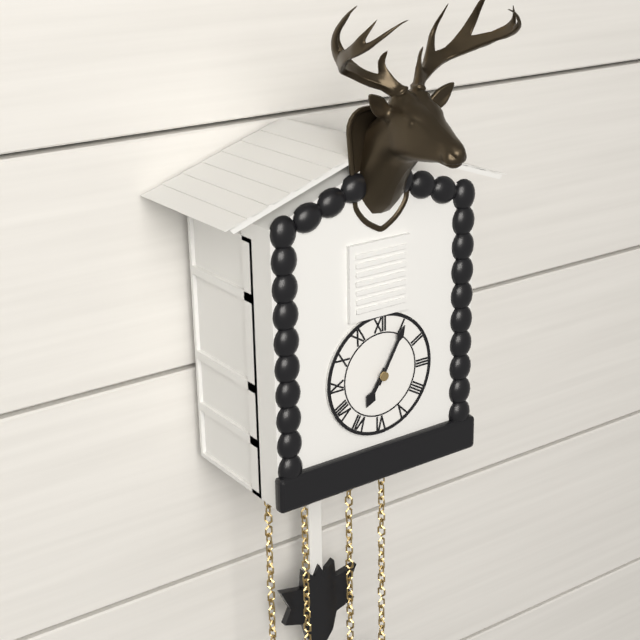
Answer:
{"hour": 7, "minute": 5}
